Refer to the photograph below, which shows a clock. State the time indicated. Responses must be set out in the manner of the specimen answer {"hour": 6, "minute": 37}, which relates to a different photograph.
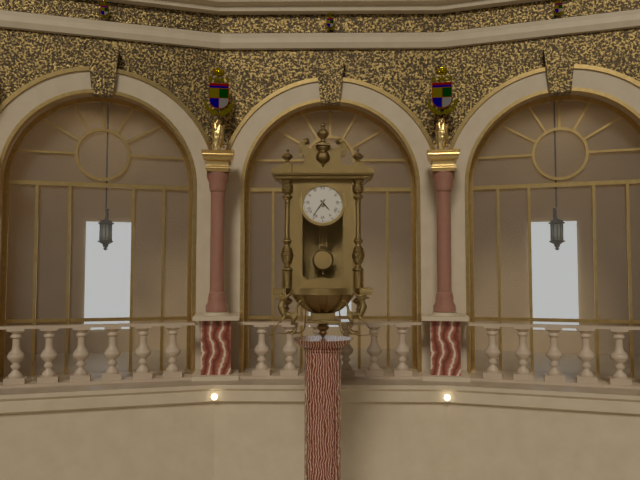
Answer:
{"hour": 4, "minute": 36}
